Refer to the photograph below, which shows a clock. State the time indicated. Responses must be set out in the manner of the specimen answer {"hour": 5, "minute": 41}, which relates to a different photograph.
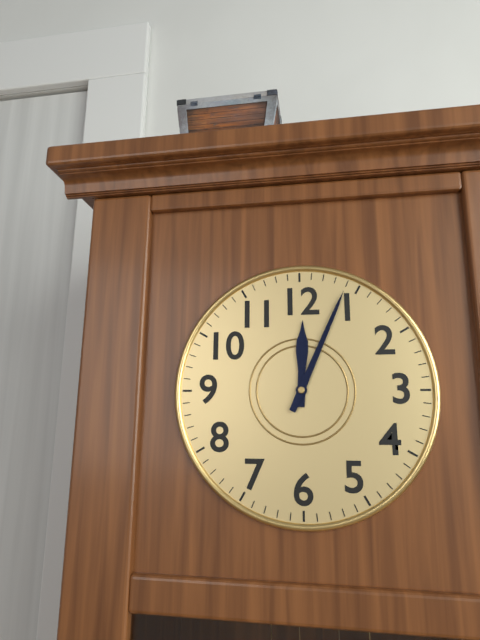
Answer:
{"hour": 12, "minute": 4}
